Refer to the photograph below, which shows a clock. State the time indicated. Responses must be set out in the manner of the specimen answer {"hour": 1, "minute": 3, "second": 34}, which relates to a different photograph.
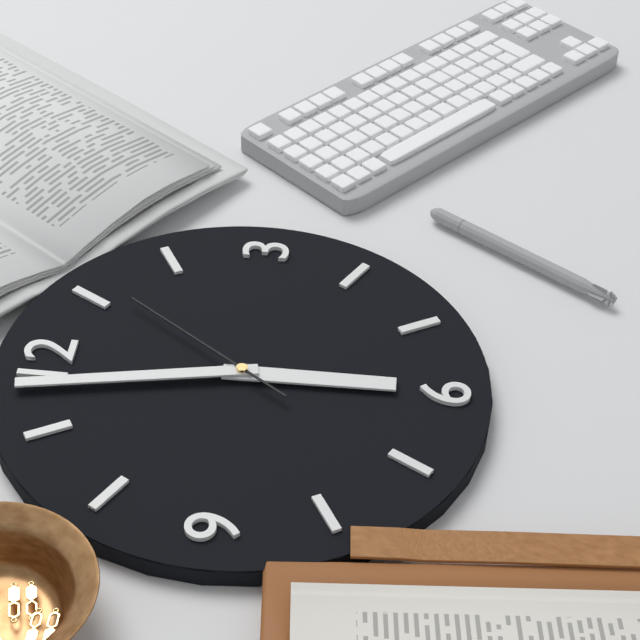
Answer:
{"hour": 5, "minute": 58, "second": 6}
